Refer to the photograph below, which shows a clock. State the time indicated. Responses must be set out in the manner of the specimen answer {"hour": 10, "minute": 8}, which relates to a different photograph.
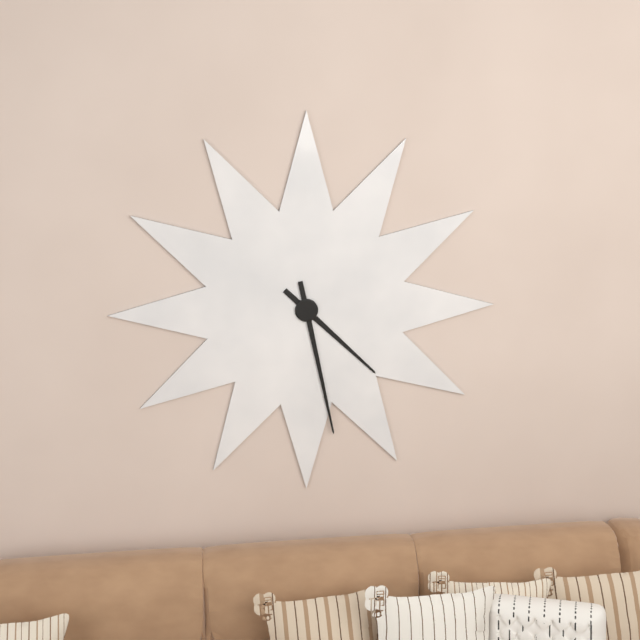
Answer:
{"hour": 4, "minute": 28}
